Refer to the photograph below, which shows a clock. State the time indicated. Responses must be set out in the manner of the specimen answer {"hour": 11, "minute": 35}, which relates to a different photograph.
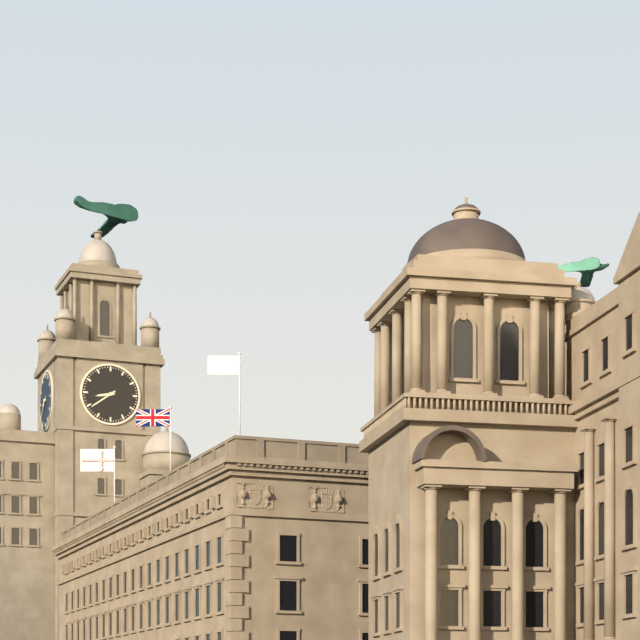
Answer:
{"hour": 8, "minute": 39}
